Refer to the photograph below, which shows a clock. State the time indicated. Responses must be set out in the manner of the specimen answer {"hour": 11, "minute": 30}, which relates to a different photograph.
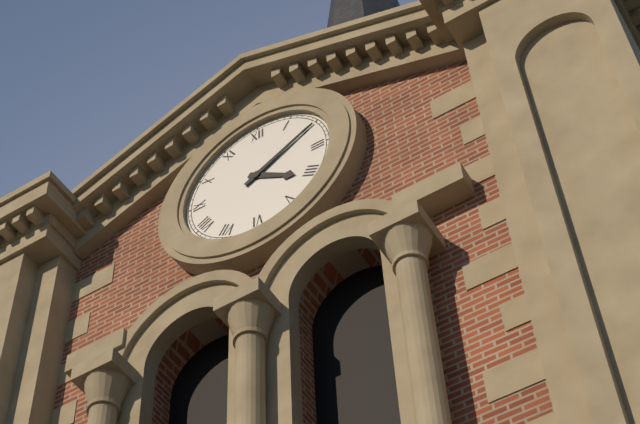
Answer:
{"hour": 4, "minute": 10}
